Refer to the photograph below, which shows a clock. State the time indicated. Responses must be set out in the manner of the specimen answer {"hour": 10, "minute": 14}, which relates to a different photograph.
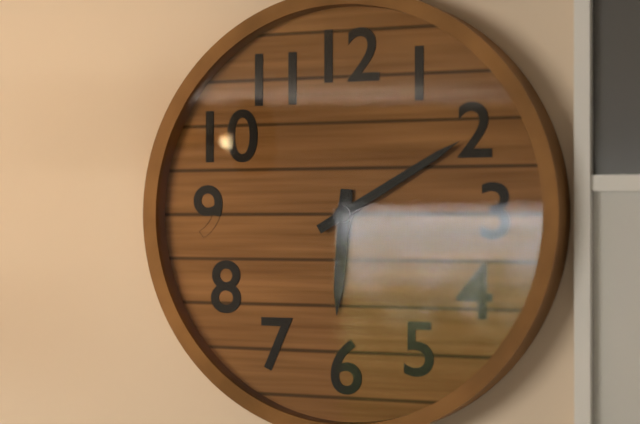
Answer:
{"hour": 6, "minute": 10}
